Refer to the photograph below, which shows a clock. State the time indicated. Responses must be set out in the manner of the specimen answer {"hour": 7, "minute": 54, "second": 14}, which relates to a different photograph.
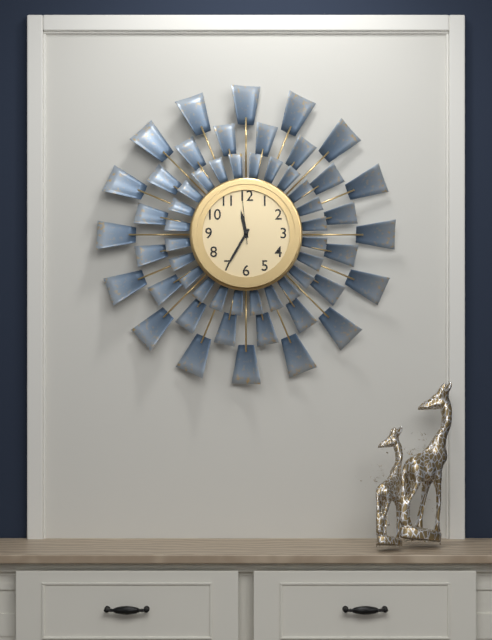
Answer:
{"hour": 11, "minute": 35, "second": 59}
